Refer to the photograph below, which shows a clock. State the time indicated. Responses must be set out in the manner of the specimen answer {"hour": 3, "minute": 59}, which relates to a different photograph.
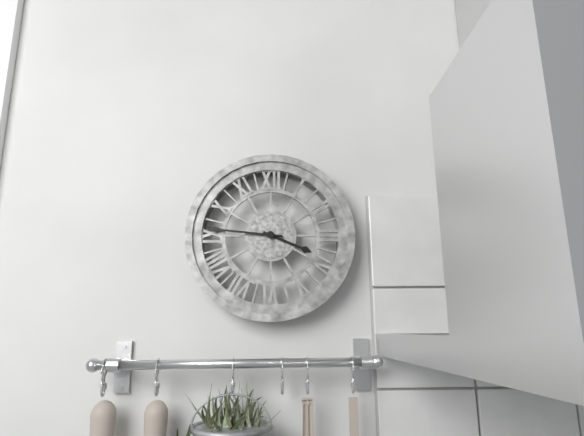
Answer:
{"hour": 3, "minute": 46}
